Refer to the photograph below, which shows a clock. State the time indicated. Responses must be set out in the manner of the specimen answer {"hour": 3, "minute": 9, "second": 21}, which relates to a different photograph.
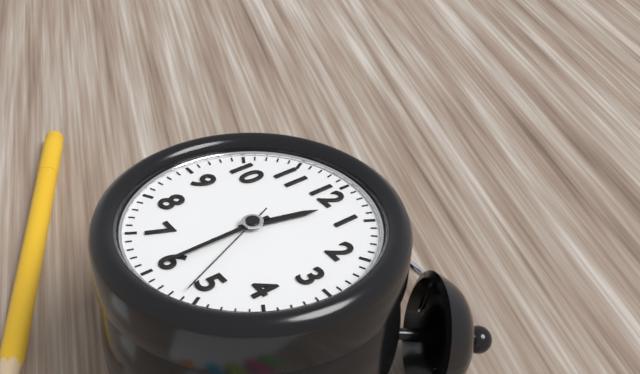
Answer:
{"hour": 12, "minute": 30, "second": 26}
